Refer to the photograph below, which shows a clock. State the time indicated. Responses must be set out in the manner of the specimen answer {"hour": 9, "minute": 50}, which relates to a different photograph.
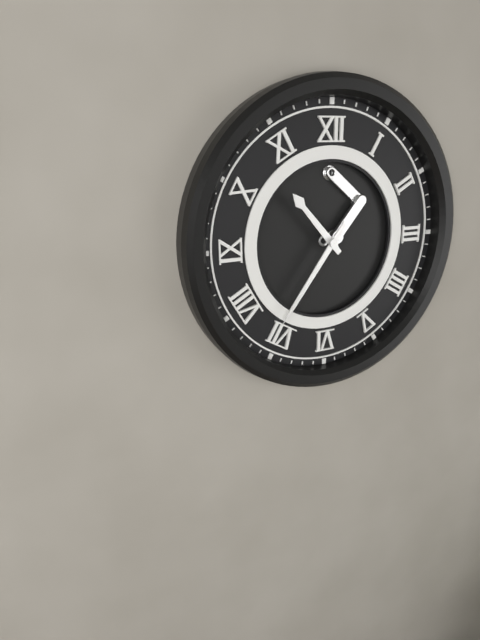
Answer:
{"hour": 10, "minute": 36}
